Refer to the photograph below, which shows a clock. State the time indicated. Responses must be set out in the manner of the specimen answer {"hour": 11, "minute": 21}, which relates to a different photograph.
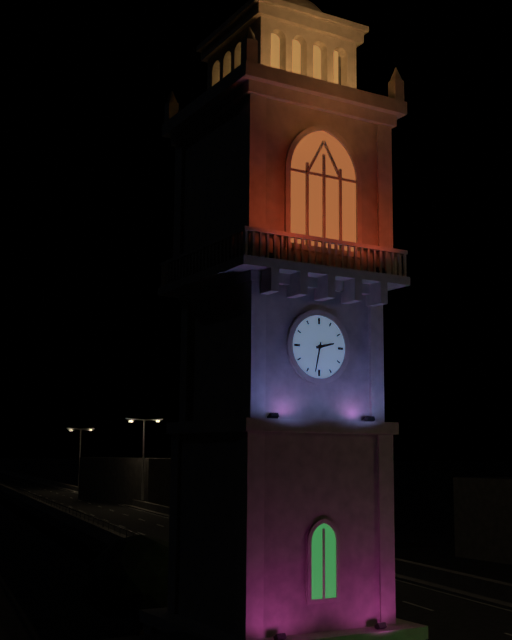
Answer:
{"hour": 2, "minute": 32}
